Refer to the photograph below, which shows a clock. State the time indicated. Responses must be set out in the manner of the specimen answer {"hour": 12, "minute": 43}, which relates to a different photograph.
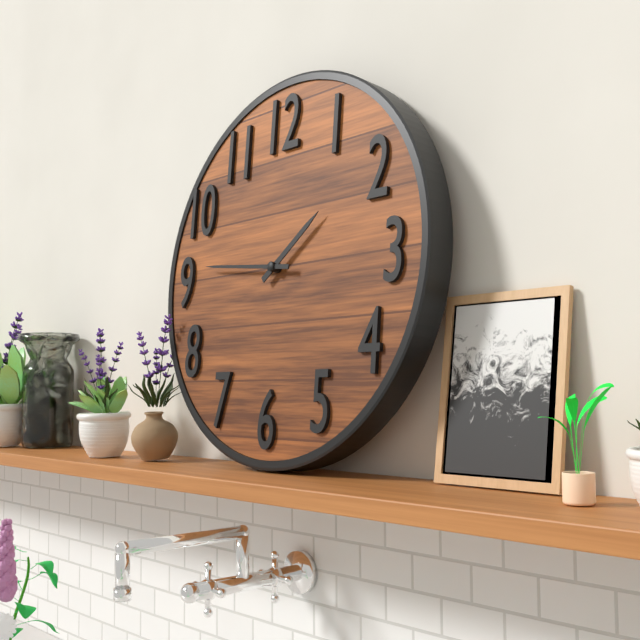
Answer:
{"hour": 1, "minute": 46}
